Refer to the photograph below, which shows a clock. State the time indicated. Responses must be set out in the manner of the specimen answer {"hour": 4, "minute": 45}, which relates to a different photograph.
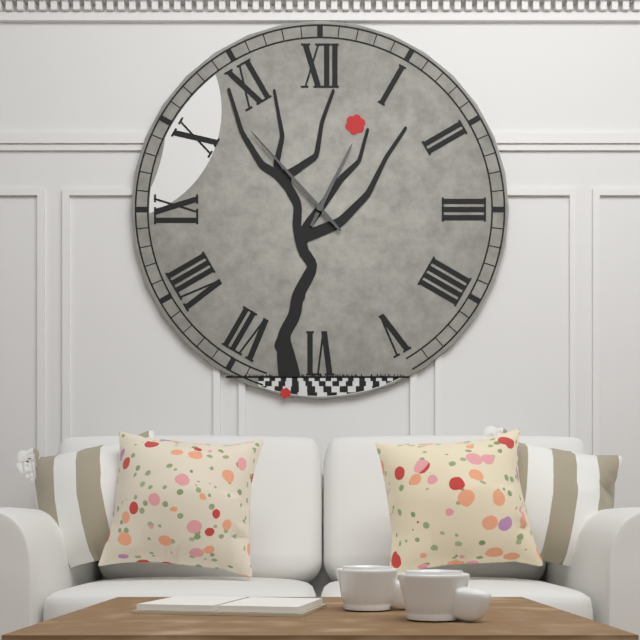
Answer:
{"hour": 12, "minute": 53}
